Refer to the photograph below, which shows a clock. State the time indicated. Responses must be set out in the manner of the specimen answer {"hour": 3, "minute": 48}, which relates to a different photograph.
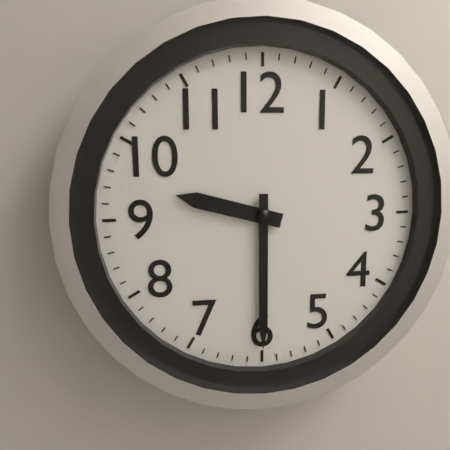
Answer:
{"hour": 9, "minute": 30}
